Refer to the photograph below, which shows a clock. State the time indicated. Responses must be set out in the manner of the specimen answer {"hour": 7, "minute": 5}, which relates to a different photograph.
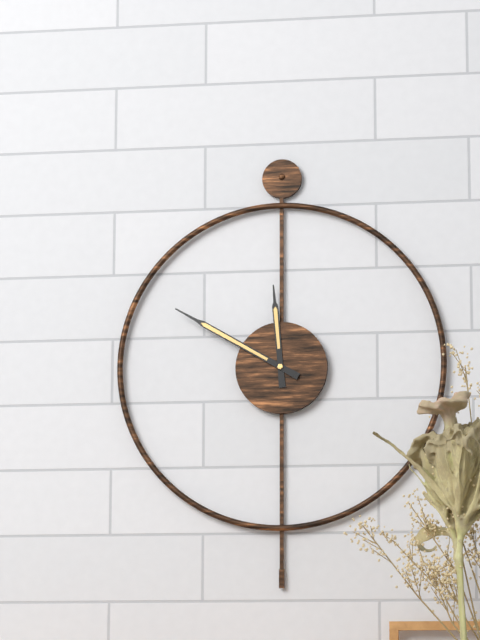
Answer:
{"hour": 11, "minute": 50}
